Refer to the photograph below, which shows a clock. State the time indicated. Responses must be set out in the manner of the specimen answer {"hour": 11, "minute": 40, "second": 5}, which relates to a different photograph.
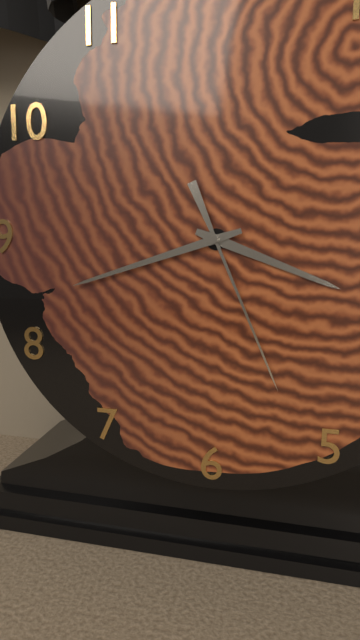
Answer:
{"hour": 3, "minute": 42, "second": 26}
